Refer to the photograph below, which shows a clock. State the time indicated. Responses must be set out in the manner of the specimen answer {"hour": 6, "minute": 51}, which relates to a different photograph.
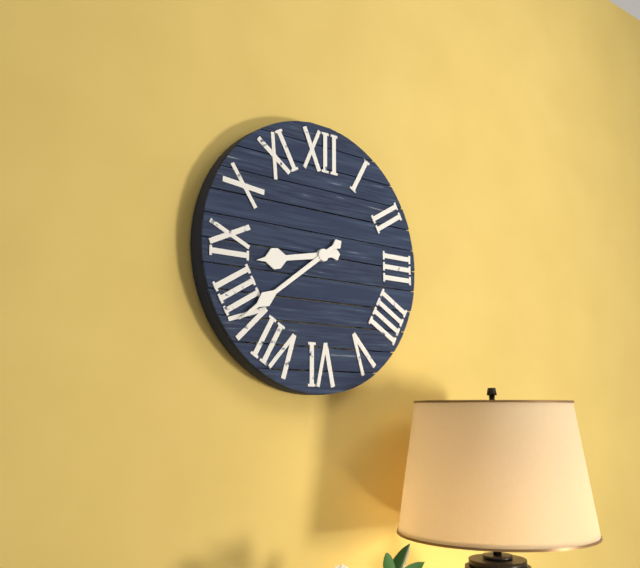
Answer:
{"hour": 8, "minute": 39}
